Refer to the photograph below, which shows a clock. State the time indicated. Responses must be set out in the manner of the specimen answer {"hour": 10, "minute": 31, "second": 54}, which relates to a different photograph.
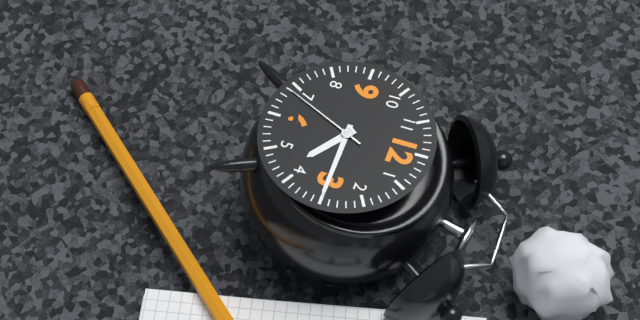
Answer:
{"hour": 4, "minute": 15, "second": 34}
